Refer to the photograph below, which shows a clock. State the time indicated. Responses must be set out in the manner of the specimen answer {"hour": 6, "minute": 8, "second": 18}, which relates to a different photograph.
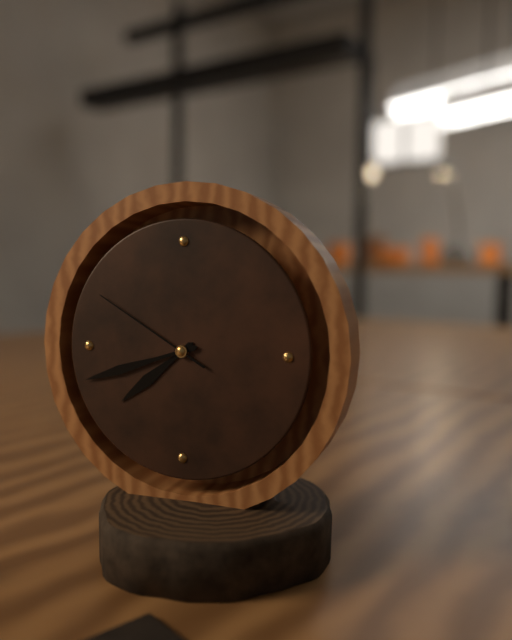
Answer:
{"hour": 7, "minute": 42, "second": 50}
